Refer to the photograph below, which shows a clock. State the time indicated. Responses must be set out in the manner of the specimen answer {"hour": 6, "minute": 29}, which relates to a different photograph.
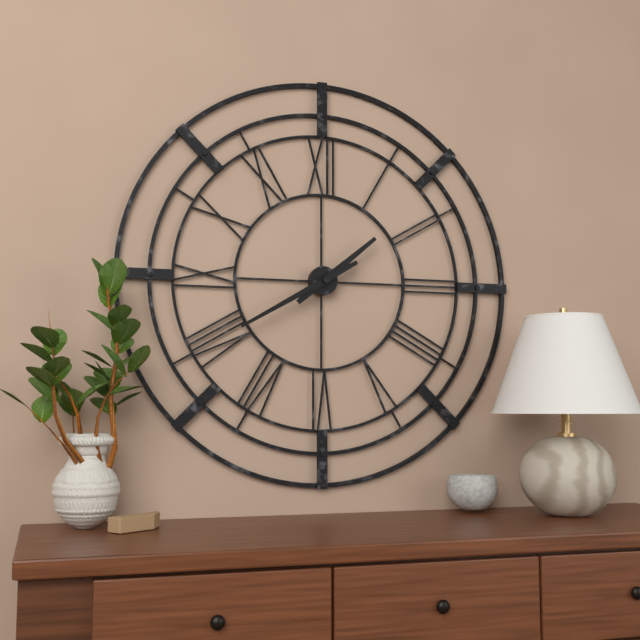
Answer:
{"hour": 1, "minute": 40}
